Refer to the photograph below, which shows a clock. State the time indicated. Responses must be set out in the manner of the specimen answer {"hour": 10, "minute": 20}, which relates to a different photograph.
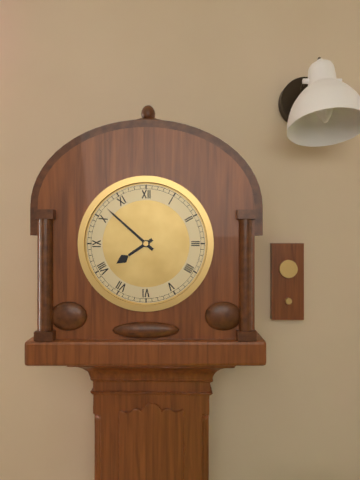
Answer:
{"hour": 7, "minute": 52}
